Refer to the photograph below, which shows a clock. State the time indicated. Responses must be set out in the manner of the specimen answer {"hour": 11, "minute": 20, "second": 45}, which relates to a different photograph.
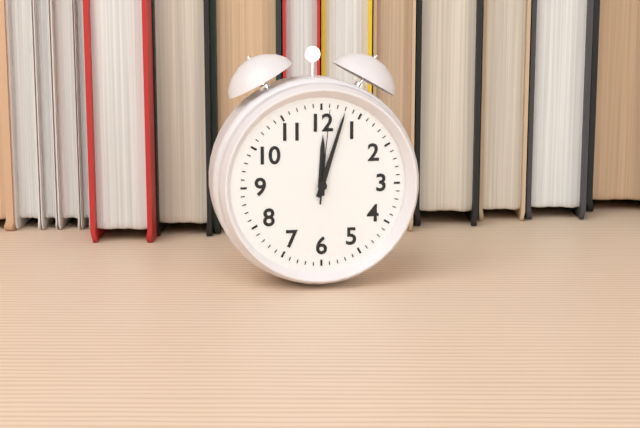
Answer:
{"hour": 12, "minute": 3, "second": 1}
